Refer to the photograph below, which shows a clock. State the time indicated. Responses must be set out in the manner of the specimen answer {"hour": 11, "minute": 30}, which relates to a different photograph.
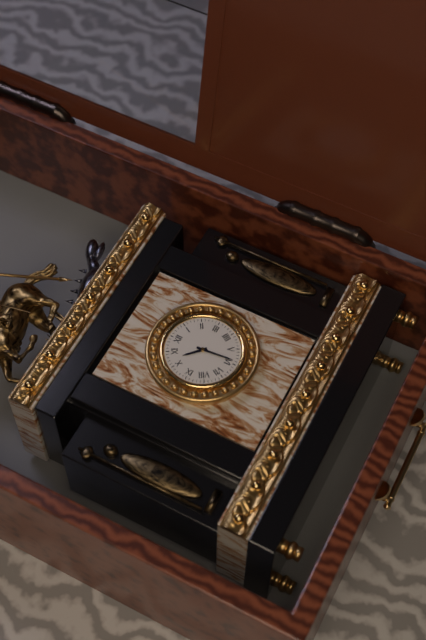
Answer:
{"hour": 10, "minute": 29}
